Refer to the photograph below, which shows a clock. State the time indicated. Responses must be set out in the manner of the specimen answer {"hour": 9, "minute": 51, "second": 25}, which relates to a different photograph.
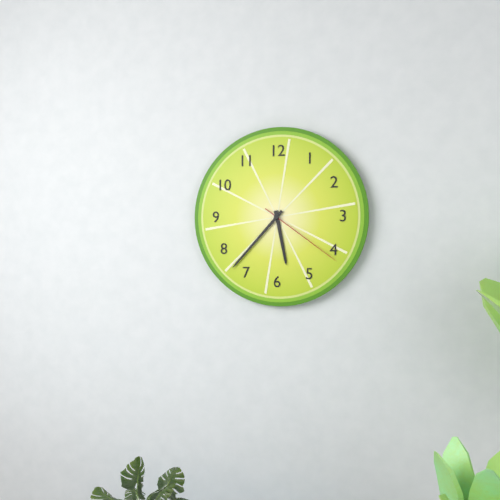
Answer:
{"hour": 5, "minute": 37, "second": 21}
